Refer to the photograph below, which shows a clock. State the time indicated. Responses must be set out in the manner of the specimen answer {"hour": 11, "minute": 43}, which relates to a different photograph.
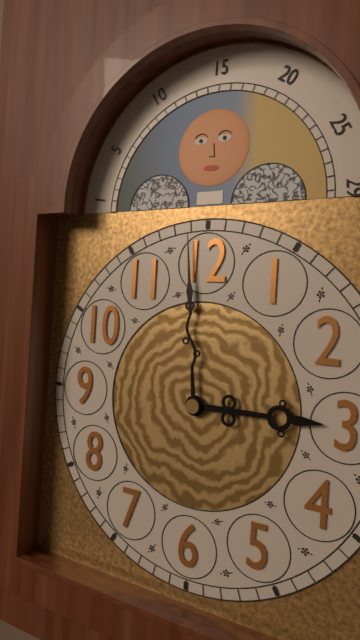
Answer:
{"hour": 2, "minute": 59}
